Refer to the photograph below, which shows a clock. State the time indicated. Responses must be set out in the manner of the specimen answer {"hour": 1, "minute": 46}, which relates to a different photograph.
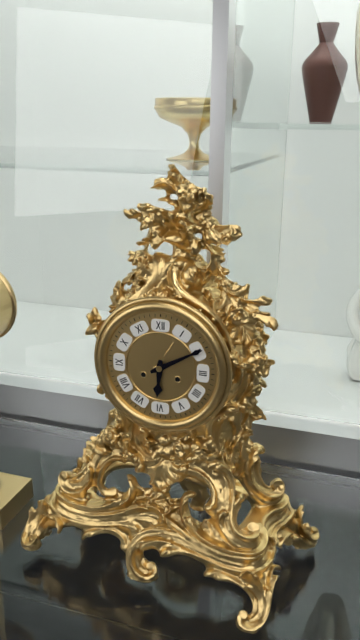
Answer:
{"hour": 6, "minute": 10}
